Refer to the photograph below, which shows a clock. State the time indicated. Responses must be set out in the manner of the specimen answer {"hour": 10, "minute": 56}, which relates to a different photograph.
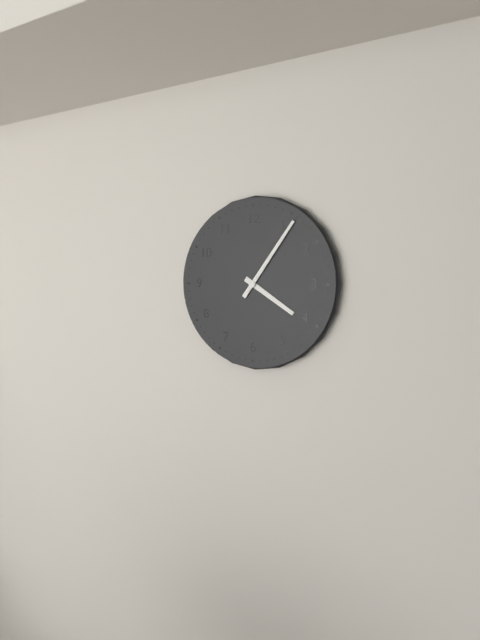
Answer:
{"hour": 4, "minute": 6}
